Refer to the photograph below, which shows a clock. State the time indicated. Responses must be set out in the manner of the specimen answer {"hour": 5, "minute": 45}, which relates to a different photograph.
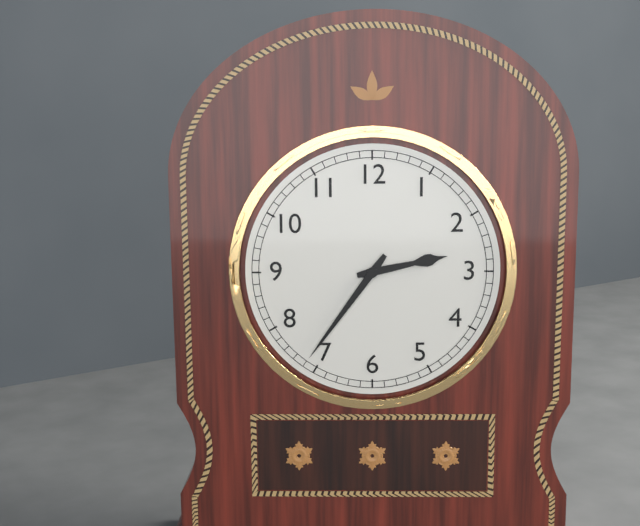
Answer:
{"hour": 2, "minute": 36}
